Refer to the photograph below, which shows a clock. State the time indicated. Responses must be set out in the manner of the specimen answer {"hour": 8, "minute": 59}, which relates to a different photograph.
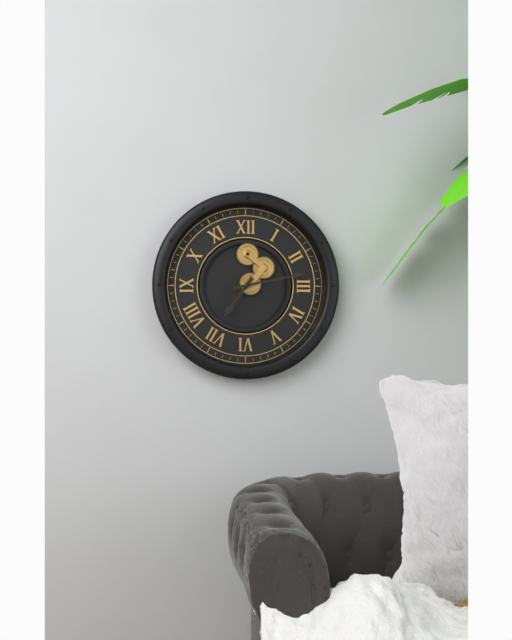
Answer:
{"hour": 7, "minute": 13}
